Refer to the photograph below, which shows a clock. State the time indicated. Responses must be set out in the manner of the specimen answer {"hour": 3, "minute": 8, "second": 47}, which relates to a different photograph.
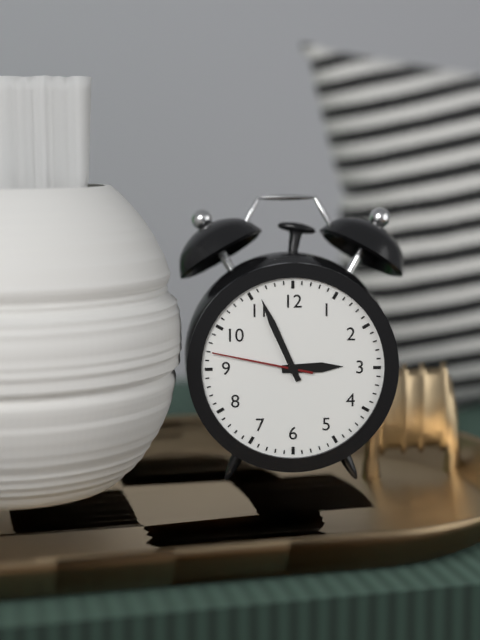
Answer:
{"hour": 2, "minute": 56, "second": 47}
